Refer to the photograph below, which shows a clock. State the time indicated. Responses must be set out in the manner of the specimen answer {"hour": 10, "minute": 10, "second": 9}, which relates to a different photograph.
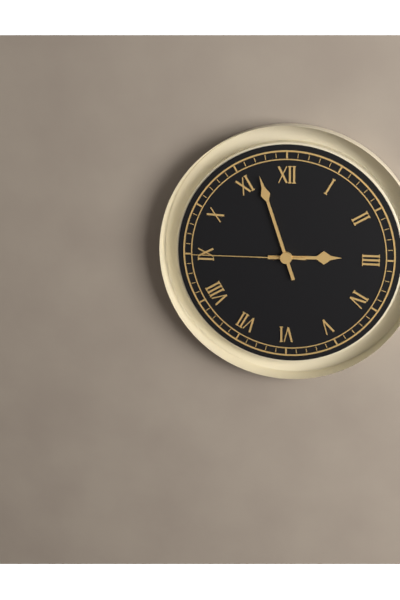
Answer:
{"hour": 2, "minute": 57, "second": 45}
